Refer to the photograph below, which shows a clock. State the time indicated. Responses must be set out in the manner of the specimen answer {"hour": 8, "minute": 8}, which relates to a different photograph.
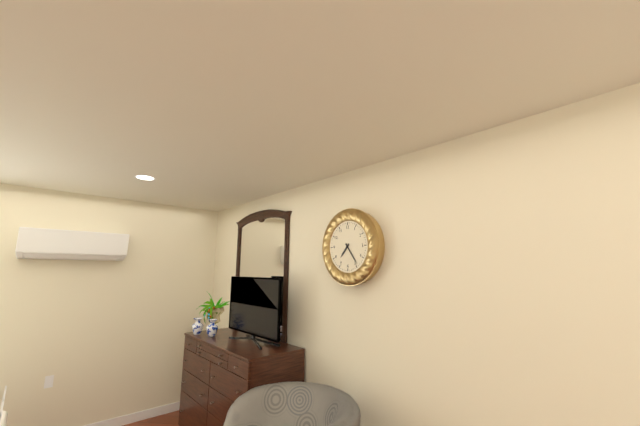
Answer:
{"hour": 7, "minute": 24}
